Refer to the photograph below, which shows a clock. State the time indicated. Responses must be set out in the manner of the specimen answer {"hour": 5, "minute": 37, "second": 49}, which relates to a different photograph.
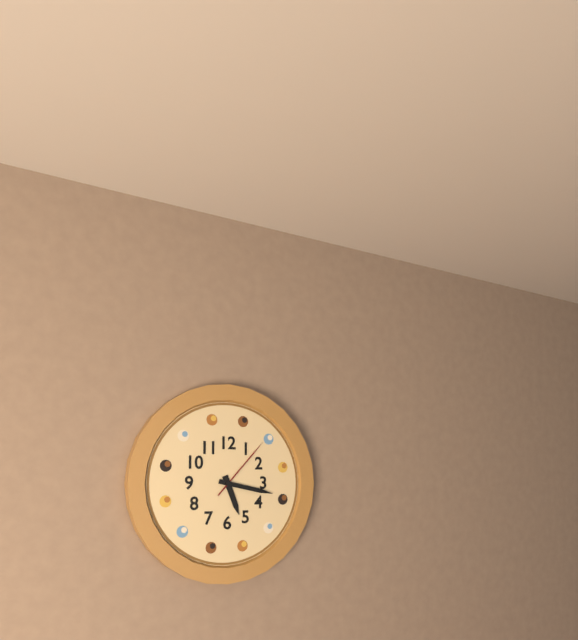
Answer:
{"hour": 5, "minute": 17, "second": 7}
